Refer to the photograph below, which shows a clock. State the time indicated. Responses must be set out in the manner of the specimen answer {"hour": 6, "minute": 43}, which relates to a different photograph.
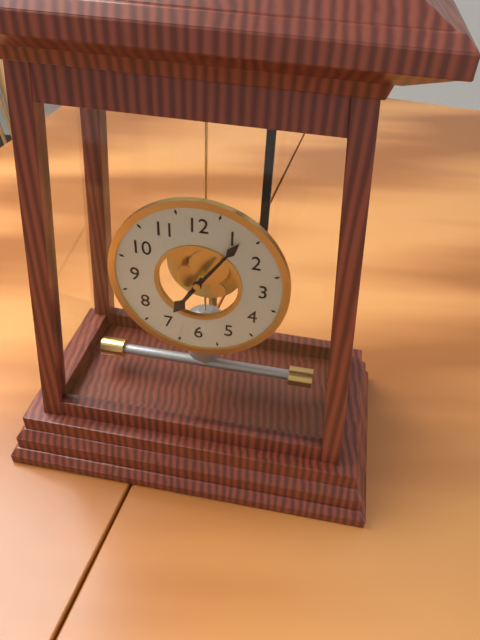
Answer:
{"hour": 7, "minute": 6}
